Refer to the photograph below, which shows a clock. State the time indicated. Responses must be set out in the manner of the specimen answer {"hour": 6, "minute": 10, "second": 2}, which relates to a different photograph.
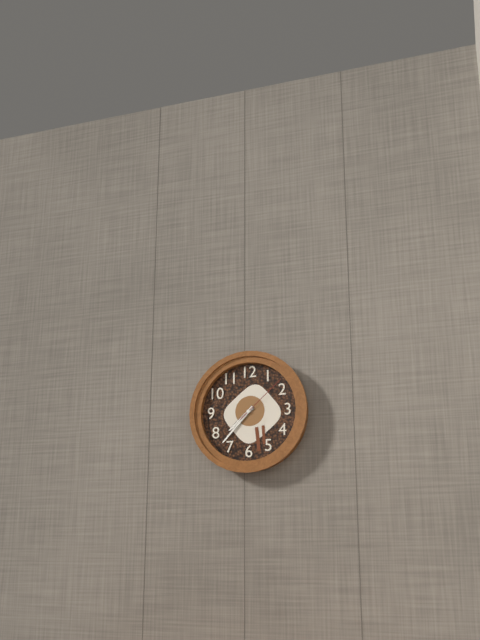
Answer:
{"hour": 7, "minute": 37, "second": 8}
